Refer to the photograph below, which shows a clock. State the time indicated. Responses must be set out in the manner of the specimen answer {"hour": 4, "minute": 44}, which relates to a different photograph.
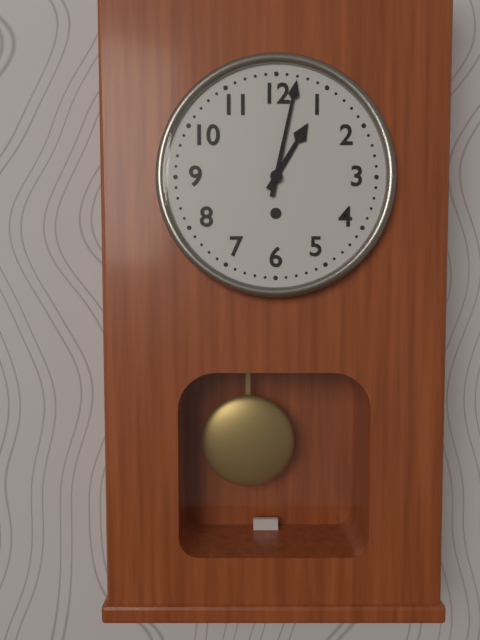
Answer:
{"hour": 1, "minute": 2}
